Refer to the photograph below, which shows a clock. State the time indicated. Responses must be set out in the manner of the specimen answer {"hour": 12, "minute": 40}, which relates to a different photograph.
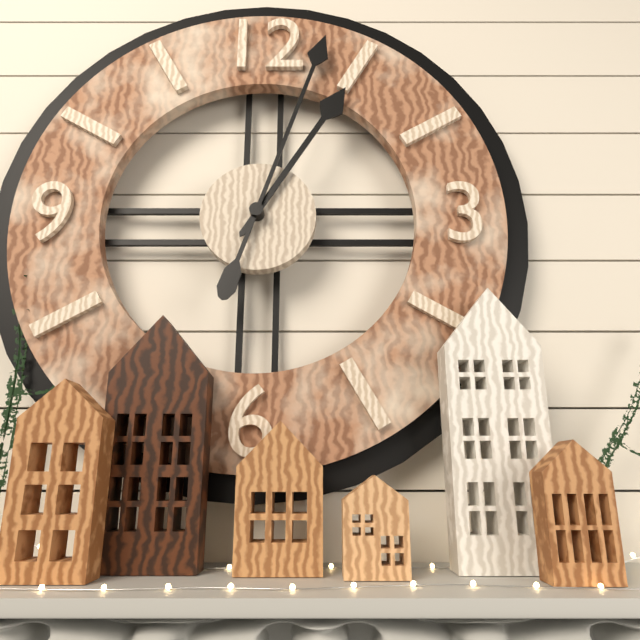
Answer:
{"hour": 1, "minute": 3}
